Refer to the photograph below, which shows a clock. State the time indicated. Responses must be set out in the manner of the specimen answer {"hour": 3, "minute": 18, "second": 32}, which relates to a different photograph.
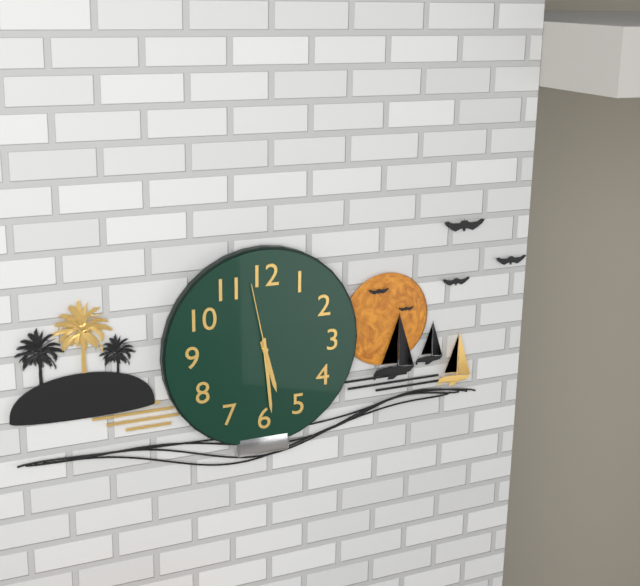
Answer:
{"hour": 5, "minute": 29, "second": 58}
